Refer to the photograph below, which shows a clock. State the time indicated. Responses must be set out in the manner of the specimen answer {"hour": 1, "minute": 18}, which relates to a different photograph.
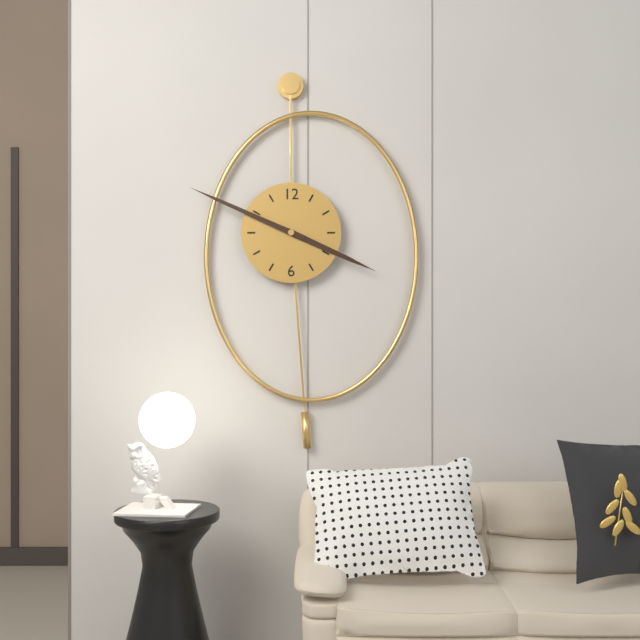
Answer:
{"hour": 3, "minute": 49}
